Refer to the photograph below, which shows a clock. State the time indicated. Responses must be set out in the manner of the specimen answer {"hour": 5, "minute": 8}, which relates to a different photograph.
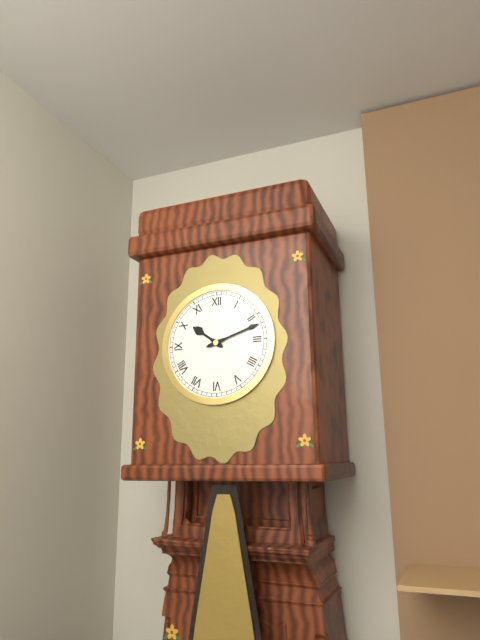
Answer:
{"hour": 10, "minute": 12}
